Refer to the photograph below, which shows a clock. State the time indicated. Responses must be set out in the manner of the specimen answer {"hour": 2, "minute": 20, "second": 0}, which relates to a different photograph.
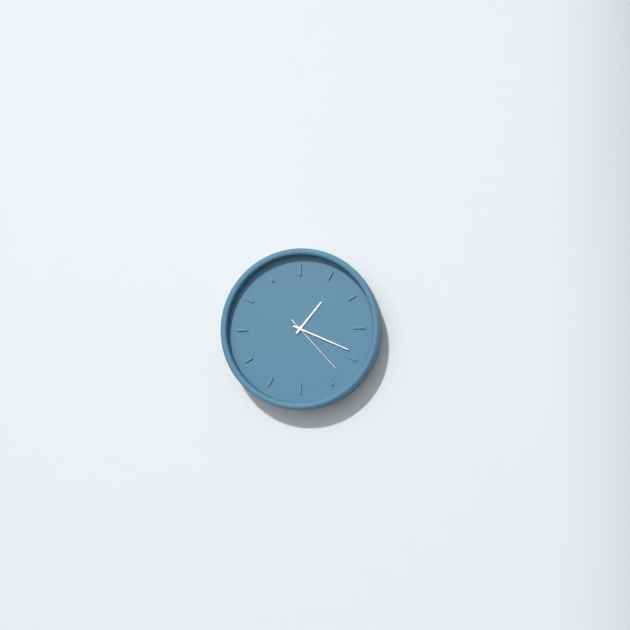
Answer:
{"hour": 1, "minute": 19, "second": 23}
